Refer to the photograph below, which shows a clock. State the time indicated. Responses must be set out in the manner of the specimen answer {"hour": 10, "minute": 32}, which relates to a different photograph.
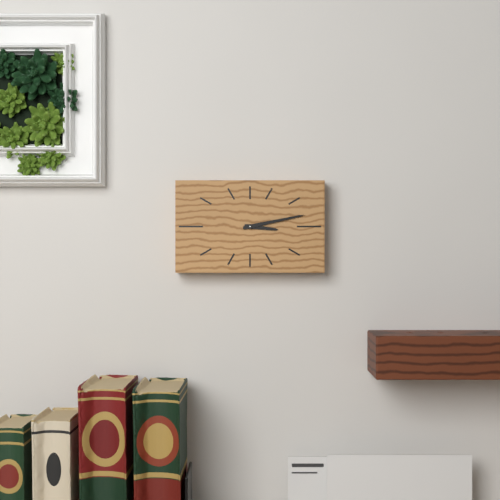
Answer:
{"hour": 3, "minute": 13}
